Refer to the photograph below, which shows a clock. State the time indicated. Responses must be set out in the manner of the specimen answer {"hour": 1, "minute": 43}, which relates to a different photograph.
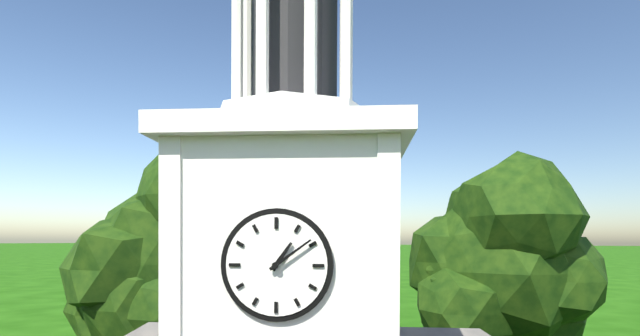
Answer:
{"hour": 1, "minute": 9}
